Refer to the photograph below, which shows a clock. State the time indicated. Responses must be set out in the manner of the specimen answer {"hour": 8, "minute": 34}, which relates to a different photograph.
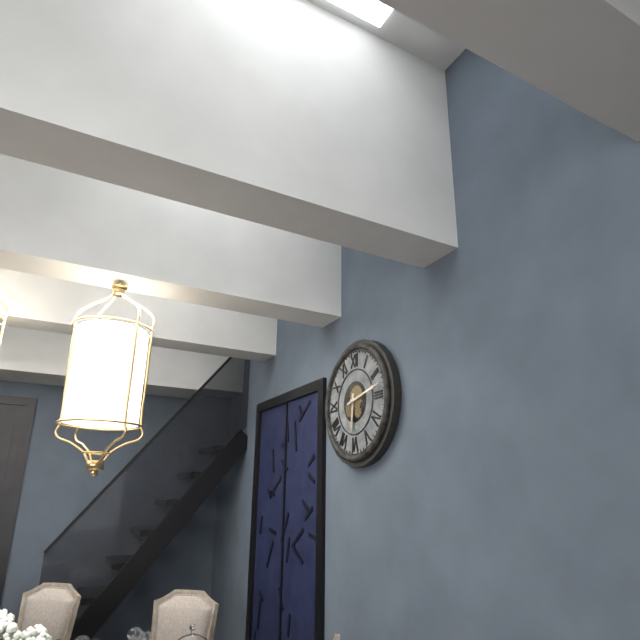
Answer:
{"hour": 6, "minute": 13}
